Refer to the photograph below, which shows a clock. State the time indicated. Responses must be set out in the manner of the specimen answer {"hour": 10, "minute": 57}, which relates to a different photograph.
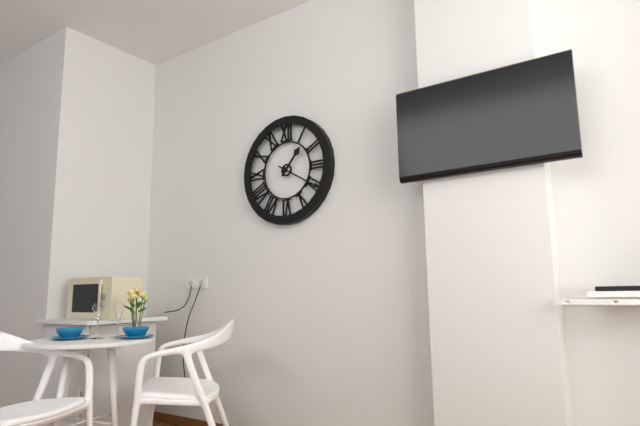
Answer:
{"hour": 1, "minute": 20}
